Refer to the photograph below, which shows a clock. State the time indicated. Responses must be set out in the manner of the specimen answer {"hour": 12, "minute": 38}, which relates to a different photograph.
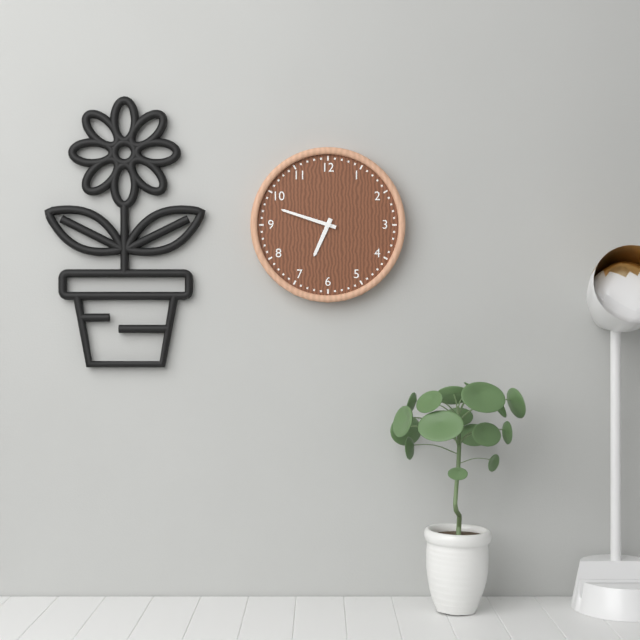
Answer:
{"hour": 6, "minute": 48}
